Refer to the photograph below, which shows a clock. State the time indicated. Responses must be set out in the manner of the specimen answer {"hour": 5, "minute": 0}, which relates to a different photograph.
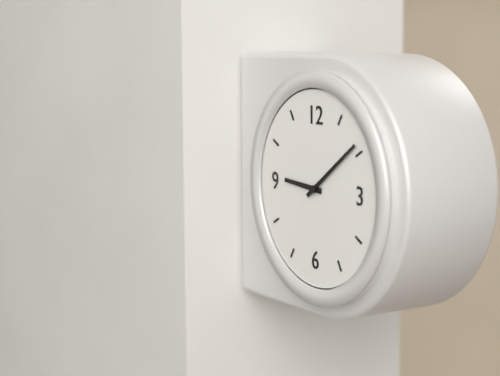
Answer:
{"hour": 9, "minute": 9}
